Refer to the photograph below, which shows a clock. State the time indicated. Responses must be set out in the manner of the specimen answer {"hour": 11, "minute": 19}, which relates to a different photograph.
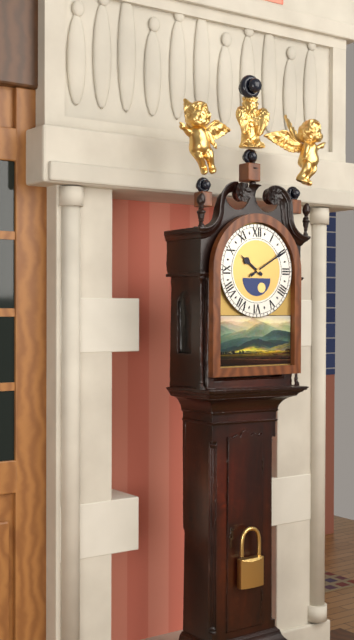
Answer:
{"hour": 10, "minute": 10}
